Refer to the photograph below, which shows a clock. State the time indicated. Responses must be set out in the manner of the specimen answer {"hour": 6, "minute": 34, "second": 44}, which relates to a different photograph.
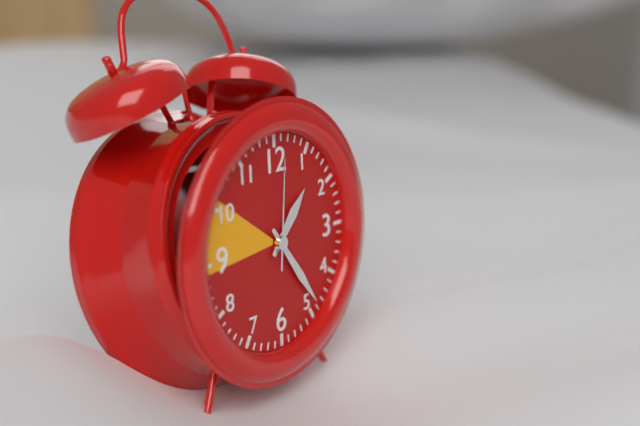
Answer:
{"hour": 1, "minute": 24, "second": 1}
